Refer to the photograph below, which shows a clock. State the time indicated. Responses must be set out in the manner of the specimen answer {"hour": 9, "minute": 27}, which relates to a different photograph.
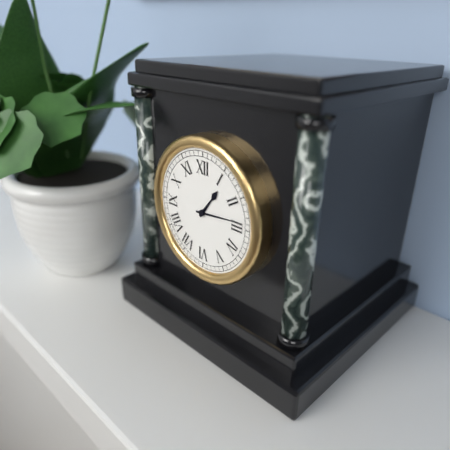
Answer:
{"hour": 1, "minute": 14}
